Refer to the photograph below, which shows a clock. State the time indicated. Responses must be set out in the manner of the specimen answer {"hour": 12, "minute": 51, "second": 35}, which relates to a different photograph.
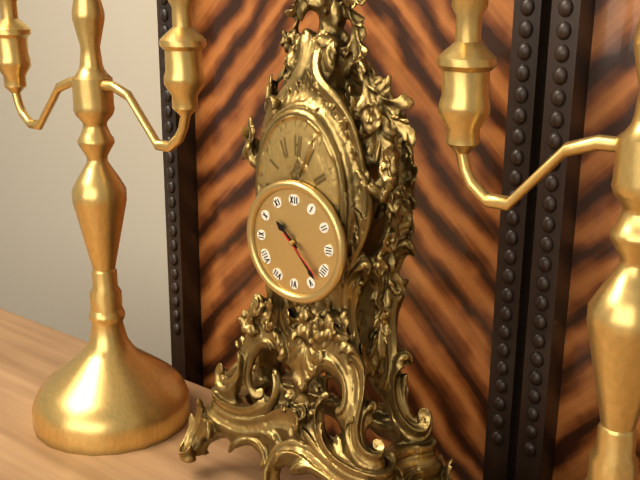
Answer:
{"hour": 10, "minute": 23, "second": 22}
